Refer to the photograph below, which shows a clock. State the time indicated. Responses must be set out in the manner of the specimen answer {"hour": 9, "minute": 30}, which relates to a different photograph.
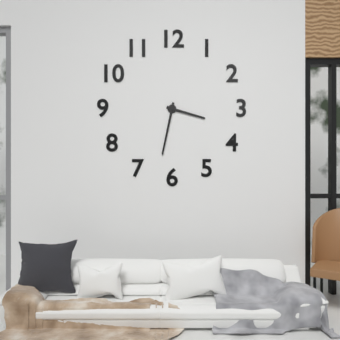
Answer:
{"hour": 3, "minute": 32}
